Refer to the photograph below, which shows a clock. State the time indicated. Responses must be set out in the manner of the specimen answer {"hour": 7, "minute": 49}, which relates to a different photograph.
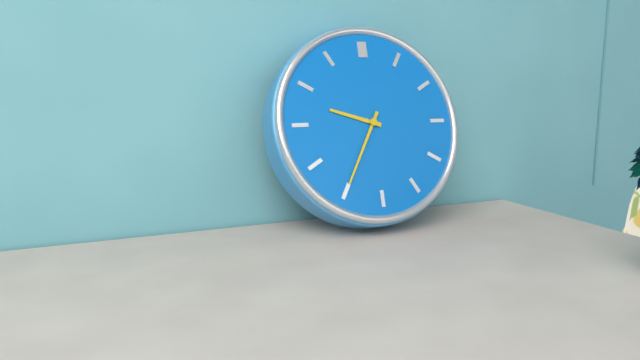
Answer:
{"hour": 9, "minute": 35}
